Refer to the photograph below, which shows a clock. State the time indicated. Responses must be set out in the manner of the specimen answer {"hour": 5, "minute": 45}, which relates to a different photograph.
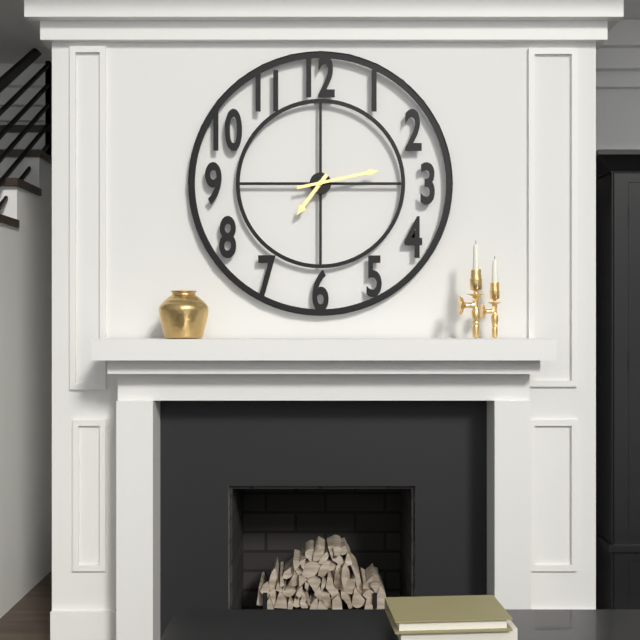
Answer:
{"hour": 7, "minute": 13}
